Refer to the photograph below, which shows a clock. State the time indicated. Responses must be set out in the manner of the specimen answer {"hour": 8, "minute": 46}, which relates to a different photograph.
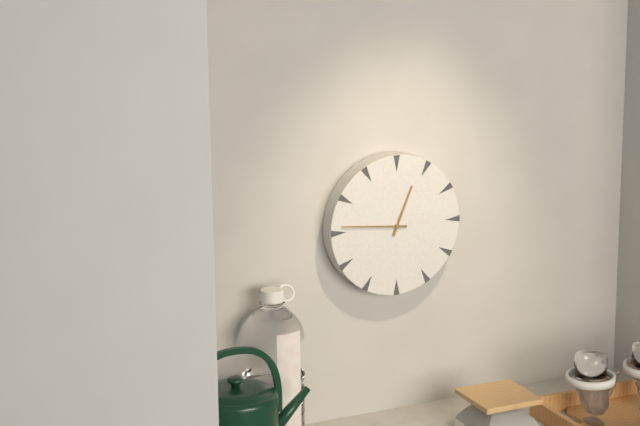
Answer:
{"hour": 12, "minute": 46}
